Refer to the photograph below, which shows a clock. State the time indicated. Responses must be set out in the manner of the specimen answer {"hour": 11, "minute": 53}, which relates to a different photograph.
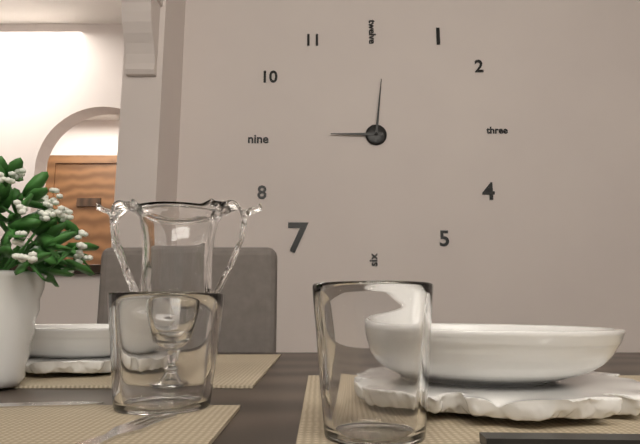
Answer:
{"hour": 9, "minute": 1}
